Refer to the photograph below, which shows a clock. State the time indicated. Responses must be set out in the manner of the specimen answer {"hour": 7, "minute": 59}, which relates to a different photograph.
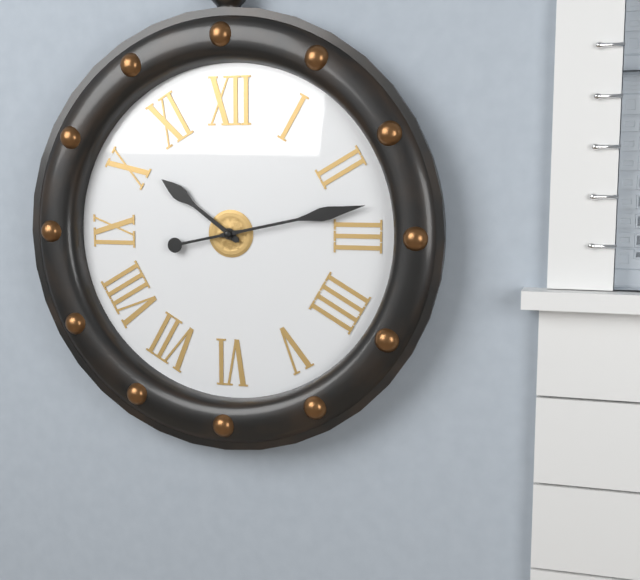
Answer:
{"hour": 10, "minute": 13}
